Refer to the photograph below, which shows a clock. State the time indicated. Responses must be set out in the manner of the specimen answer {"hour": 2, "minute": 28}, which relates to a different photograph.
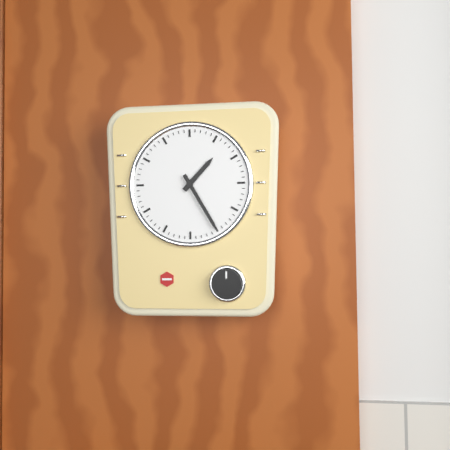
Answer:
{"hour": 1, "minute": 25}
